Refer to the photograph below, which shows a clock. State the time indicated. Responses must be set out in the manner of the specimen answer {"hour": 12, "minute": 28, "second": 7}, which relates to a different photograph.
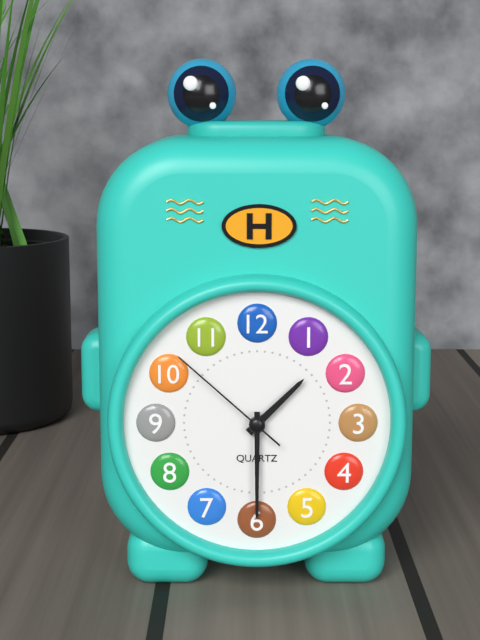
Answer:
{"hour": 1, "minute": 30, "second": 52}
